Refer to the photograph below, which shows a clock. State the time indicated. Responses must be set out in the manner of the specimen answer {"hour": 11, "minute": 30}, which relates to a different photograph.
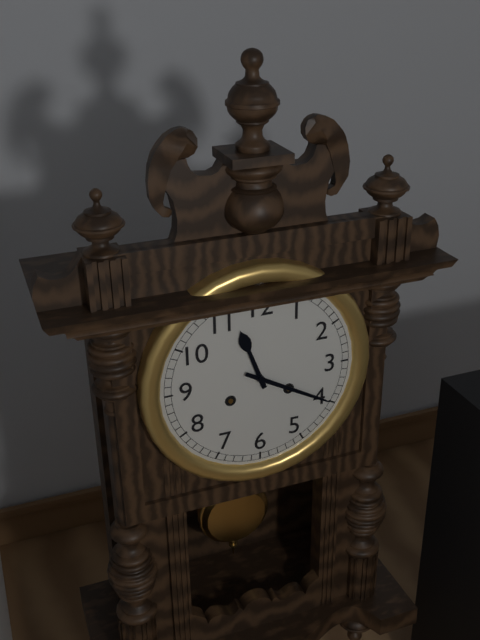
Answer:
{"hour": 11, "minute": 20}
